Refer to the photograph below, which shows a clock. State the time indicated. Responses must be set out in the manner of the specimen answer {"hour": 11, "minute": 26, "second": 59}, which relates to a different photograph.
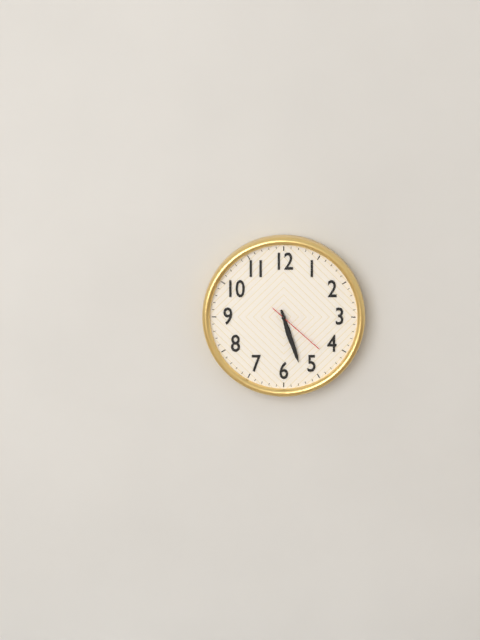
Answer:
{"hour": 5, "minute": 27, "second": 22}
